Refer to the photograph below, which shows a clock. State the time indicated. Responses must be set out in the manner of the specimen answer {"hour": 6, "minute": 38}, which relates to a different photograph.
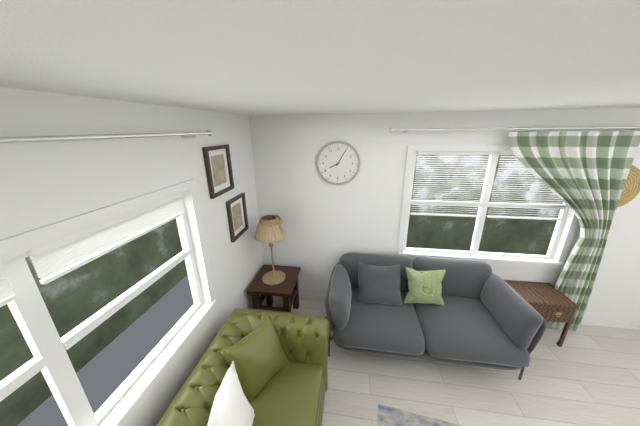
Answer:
{"hour": 8, "minute": 5}
